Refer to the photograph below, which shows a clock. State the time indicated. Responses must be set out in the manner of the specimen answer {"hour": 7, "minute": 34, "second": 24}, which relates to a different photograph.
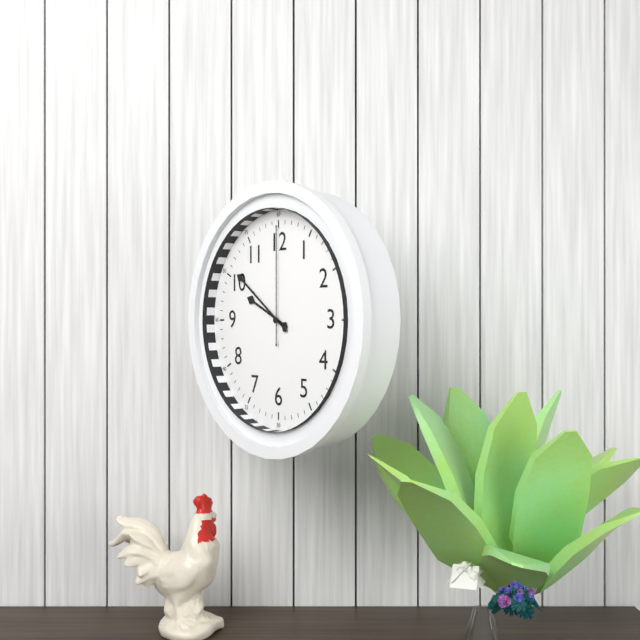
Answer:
{"hour": 9, "minute": 51, "second": 0}
